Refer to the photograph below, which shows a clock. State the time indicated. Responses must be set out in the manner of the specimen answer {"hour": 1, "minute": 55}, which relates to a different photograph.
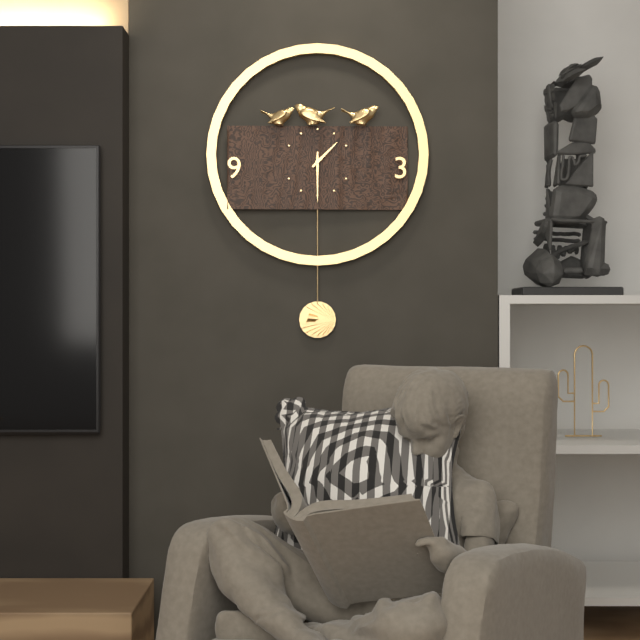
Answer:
{"hour": 1, "minute": 30}
